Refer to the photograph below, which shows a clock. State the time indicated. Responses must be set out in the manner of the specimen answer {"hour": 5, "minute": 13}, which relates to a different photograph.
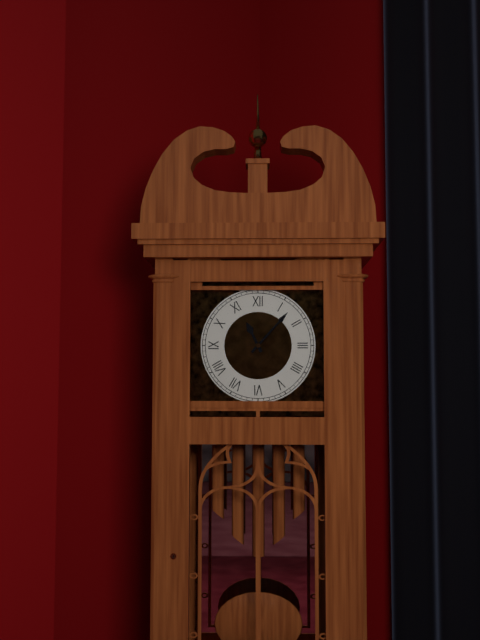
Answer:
{"hour": 11, "minute": 7}
